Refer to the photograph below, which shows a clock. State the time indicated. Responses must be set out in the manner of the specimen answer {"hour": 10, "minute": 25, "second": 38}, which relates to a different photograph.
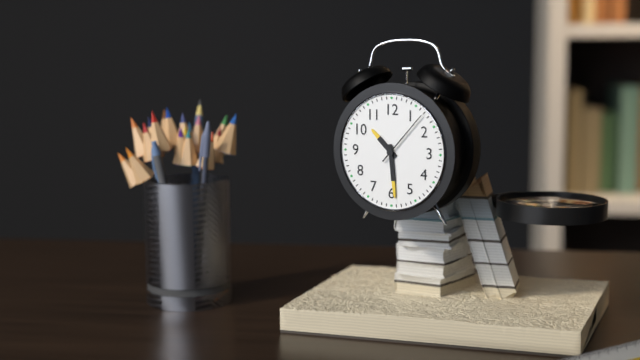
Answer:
{"hour": 10, "minute": 29, "second": 7}
